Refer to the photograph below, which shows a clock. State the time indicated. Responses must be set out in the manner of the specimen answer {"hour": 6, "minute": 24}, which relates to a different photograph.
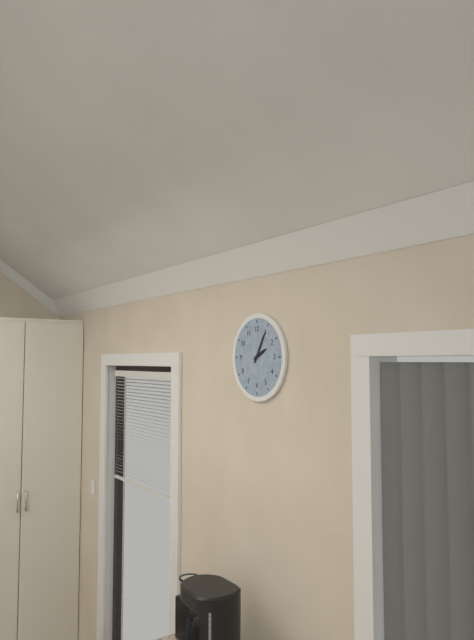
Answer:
{"hour": 2, "minute": 5}
